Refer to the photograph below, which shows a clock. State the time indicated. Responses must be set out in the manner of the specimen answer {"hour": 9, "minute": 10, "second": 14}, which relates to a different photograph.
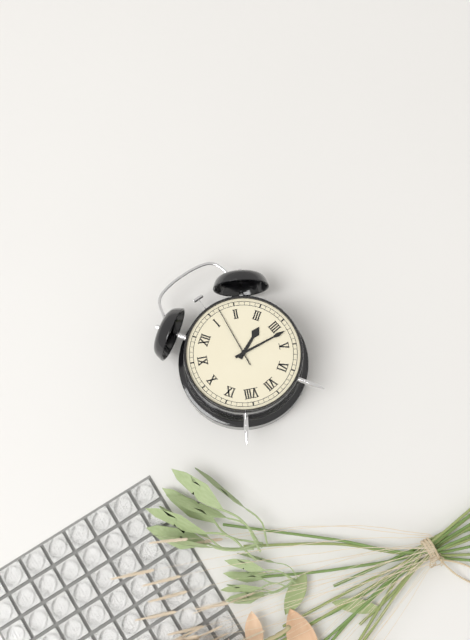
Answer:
{"hour": 3, "minute": 22, "second": 7}
